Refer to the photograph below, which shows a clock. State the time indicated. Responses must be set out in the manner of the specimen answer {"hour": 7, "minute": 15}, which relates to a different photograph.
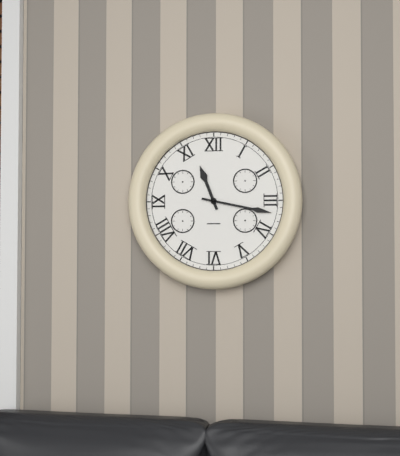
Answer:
{"hour": 11, "minute": 17}
